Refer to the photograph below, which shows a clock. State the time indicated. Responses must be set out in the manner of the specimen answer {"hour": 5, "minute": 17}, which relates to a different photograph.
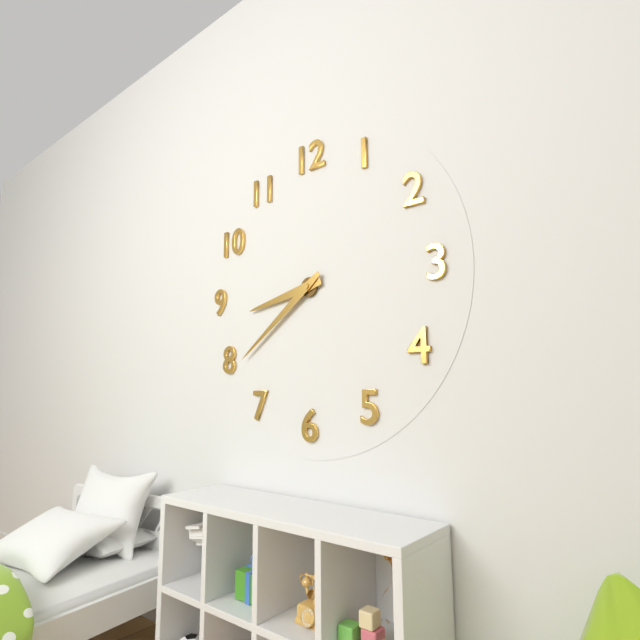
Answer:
{"hour": 8, "minute": 39}
